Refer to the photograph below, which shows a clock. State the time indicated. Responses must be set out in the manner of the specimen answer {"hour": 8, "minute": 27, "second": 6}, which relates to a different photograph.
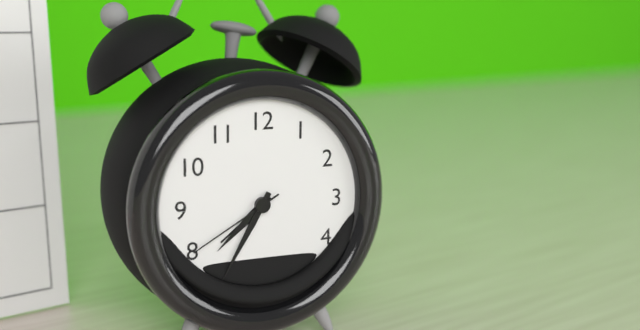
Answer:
{"hour": 7, "minute": 35, "second": 40}
